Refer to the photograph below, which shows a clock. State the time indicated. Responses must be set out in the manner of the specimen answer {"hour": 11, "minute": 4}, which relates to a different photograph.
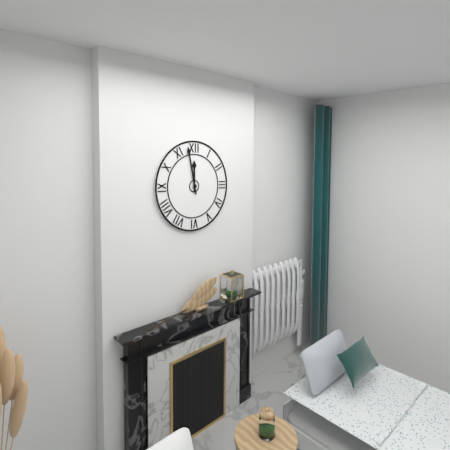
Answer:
{"hour": 11, "minute": 58}
